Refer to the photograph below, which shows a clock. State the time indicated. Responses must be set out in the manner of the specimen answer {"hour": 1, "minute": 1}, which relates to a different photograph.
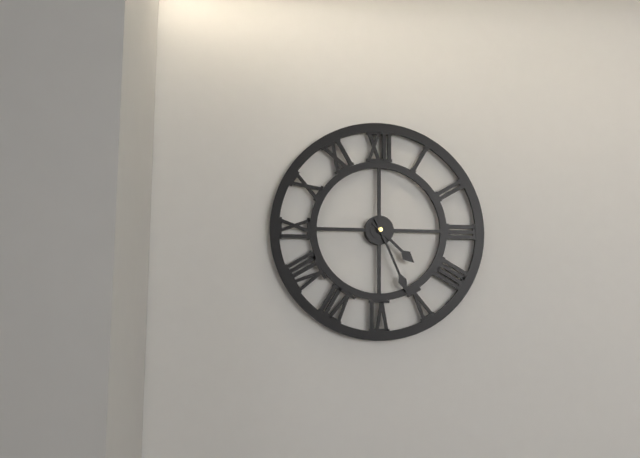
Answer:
{"hour": 4, "minute": 26}
